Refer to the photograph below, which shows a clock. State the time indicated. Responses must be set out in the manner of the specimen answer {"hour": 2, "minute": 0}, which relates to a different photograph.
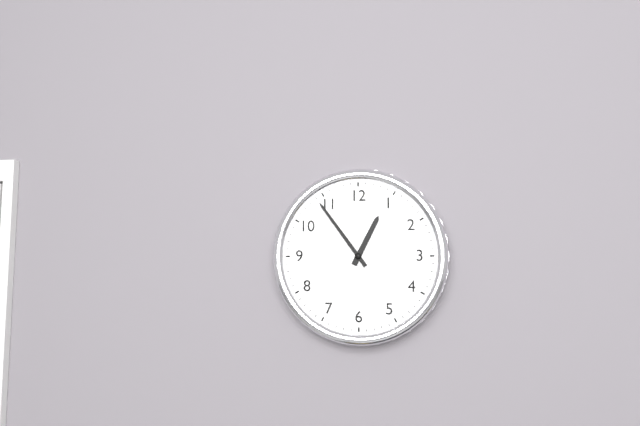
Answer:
{"hour": 12, "minute": 54}
